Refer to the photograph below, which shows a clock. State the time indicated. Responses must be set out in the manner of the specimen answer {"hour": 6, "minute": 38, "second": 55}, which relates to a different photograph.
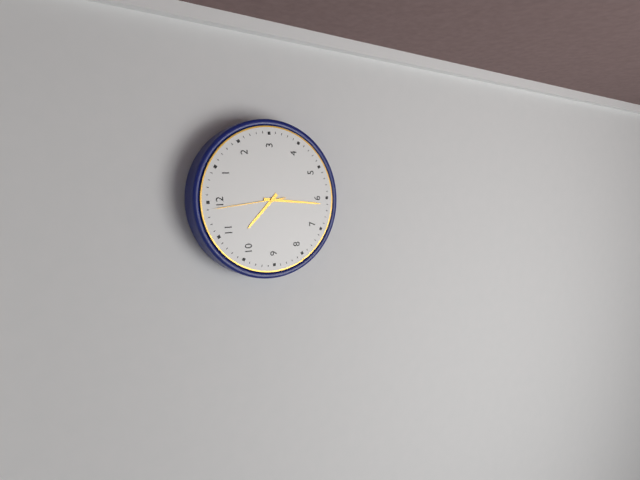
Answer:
{"hour": 10, "minute": 31, "second": 59}
